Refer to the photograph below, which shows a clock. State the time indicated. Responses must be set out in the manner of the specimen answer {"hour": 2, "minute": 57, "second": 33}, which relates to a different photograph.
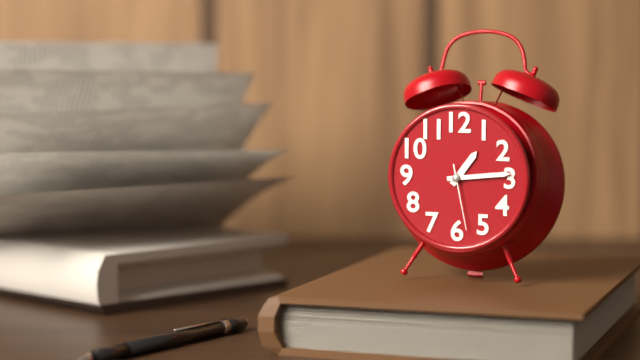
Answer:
{"hour": 1, "minute": 14, "second": 28}
